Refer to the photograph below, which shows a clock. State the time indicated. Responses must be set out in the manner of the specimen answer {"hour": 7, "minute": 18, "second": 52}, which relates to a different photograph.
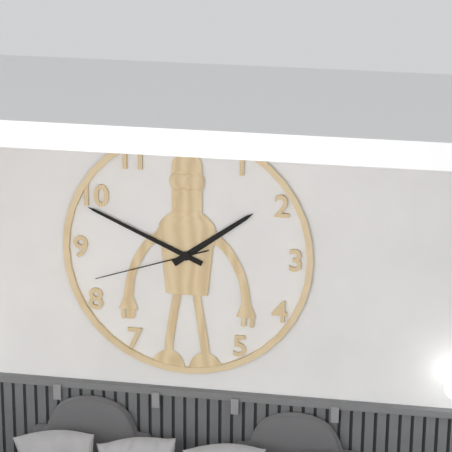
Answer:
{"hour": 1, "minute": 49, "second": 42}
